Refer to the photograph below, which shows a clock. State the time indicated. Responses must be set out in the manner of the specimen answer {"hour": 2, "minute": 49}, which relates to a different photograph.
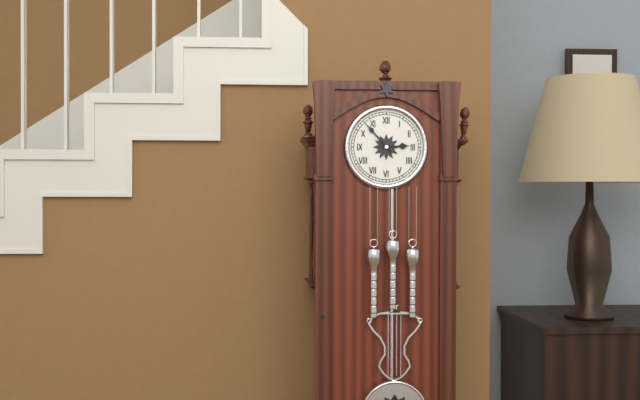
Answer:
{"hour": 2, "minute": 53}
